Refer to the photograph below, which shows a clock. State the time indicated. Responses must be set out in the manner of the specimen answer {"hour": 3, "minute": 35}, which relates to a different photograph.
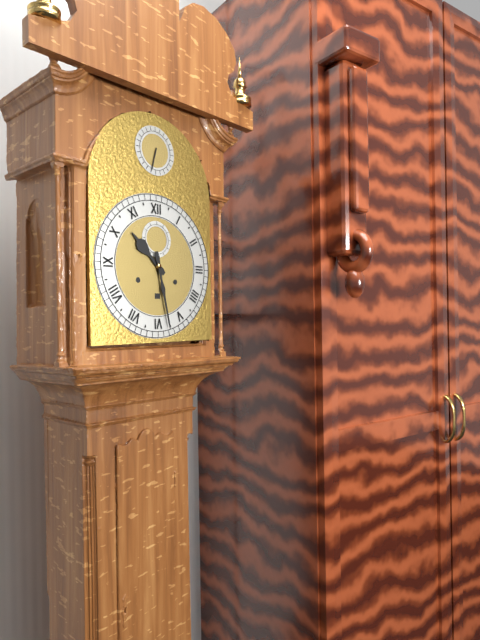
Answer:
{"hour": 10, "minute": 28}
